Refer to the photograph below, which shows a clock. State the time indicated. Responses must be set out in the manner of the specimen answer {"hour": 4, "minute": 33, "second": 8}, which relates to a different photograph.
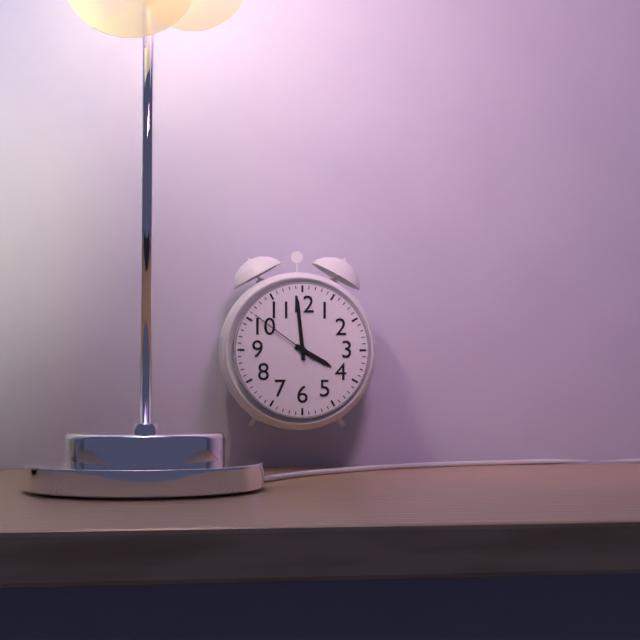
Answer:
{"hour": 3, "minute": 59, "second": 51}
